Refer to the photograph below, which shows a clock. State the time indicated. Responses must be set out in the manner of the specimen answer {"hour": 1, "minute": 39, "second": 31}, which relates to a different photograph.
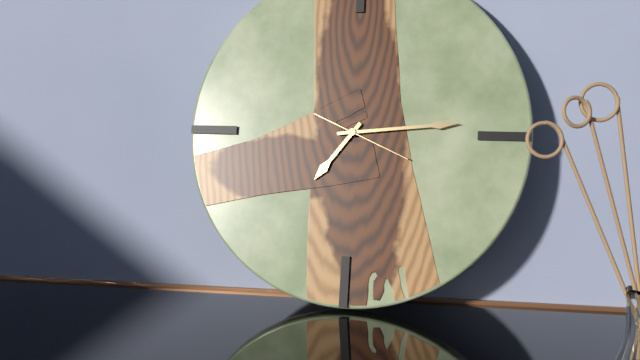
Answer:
{"hour": 7, "minute": 14, "second": 19}
